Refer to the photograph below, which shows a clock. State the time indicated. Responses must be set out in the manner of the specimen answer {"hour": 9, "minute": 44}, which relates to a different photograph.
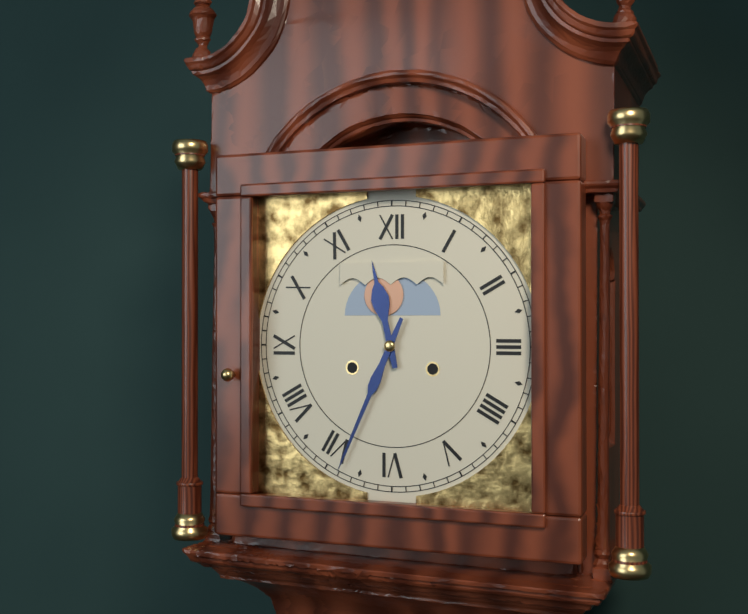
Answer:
{"hour": 11, "minute": 34}
